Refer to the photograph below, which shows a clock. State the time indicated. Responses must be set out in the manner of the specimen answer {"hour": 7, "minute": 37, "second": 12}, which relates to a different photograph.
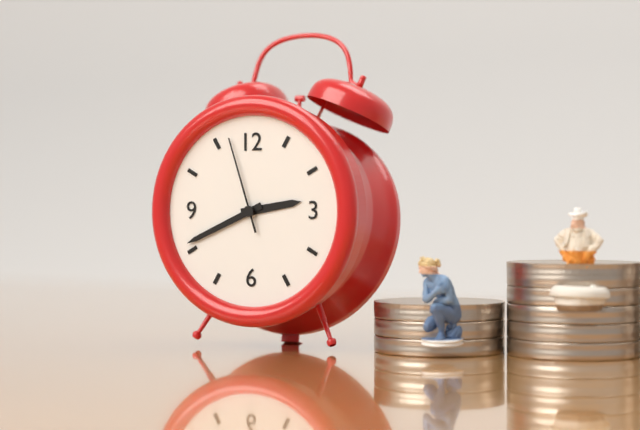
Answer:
{"hour": 2, "minute": 41, "second": 57}
